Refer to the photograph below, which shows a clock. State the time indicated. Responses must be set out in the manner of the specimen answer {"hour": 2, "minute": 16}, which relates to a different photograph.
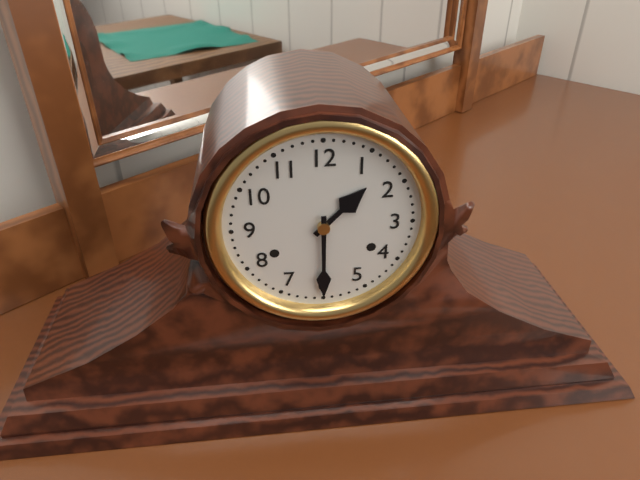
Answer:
{"hour": 1, "minute": 30}
